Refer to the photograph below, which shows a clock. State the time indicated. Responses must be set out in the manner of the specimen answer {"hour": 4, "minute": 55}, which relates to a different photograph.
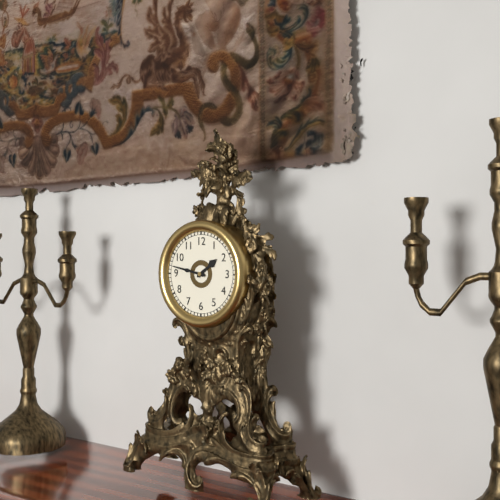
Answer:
{"hour": 1, "minute": 47}
